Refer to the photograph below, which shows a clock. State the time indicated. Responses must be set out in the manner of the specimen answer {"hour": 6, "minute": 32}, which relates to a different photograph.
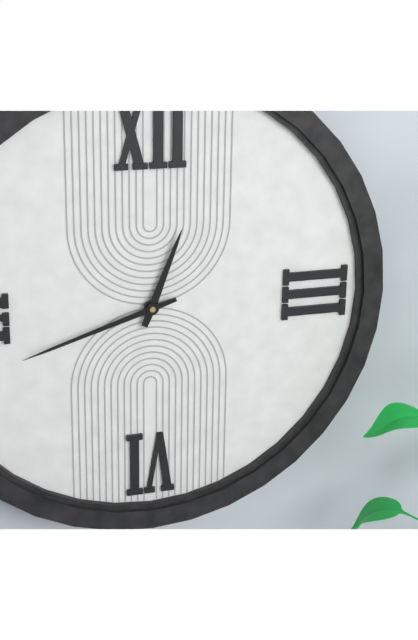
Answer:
{"hour": 12, "minute": 42}
